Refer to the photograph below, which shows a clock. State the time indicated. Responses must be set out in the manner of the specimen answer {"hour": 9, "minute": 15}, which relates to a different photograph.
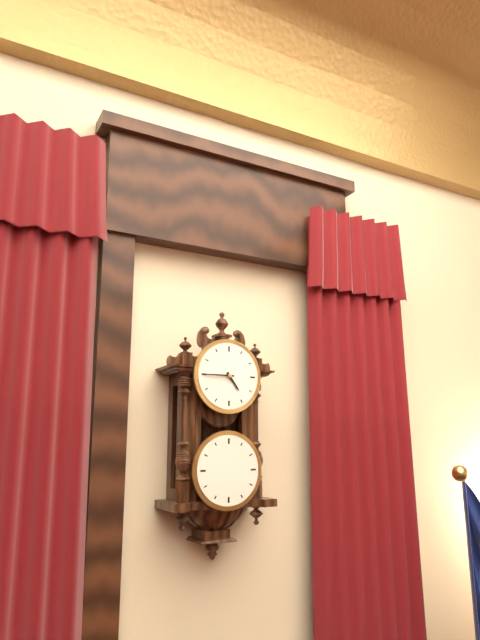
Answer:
{"hour": 4, "minute": 45}
